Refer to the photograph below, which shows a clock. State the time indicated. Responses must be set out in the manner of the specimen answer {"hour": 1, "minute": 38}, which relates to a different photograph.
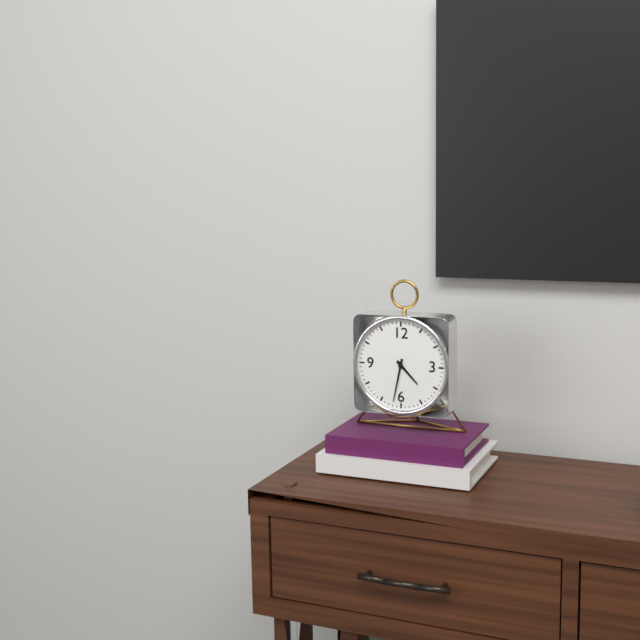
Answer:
{"hour": 4, "minute": 32}
